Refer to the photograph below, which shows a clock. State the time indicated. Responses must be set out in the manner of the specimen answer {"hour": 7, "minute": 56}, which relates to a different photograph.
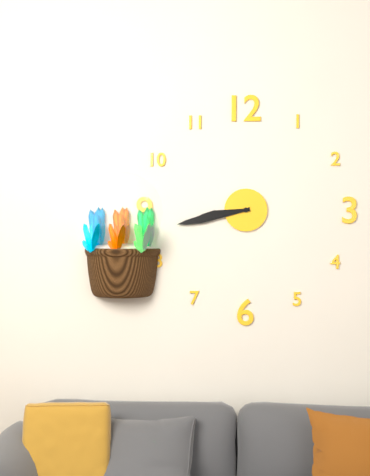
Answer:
{"hour": 8, "minute": 43}
